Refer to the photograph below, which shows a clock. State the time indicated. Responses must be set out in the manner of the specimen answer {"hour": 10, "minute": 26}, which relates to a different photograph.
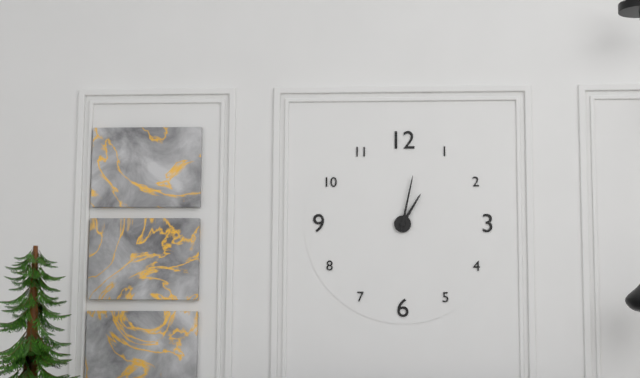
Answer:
{"hour": 1, "minute": 2}
